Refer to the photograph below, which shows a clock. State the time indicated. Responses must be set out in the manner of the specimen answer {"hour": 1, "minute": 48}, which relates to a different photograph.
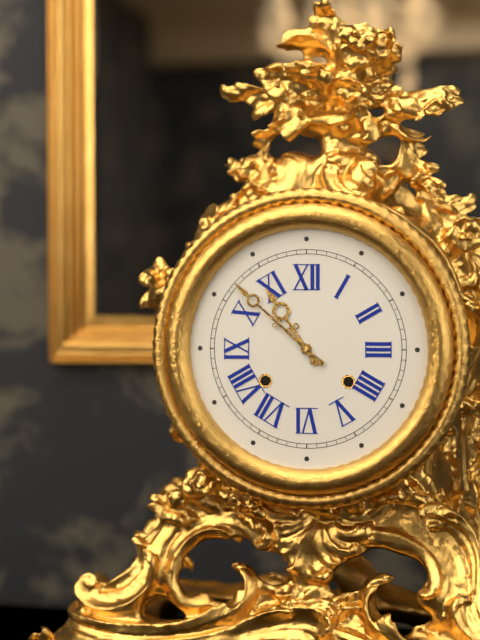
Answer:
{"hour": 10, "minute": 52}
